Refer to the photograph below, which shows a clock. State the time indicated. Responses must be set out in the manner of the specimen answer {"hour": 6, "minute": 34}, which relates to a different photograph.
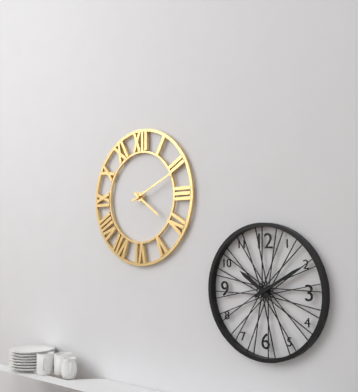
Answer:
{"hour": 4, "minute": 11}
